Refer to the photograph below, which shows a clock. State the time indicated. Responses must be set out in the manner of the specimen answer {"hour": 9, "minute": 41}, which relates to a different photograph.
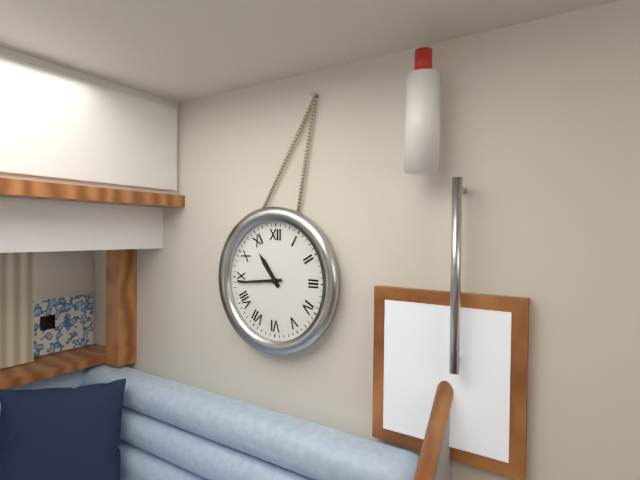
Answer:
{"hour": 10, "minute": 44}
